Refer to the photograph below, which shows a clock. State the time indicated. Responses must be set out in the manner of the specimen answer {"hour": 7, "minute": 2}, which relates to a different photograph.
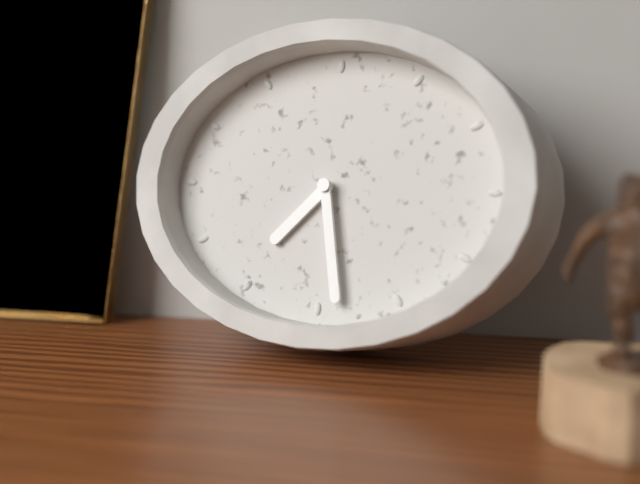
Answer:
{"hour": 7, "minute": 28}
